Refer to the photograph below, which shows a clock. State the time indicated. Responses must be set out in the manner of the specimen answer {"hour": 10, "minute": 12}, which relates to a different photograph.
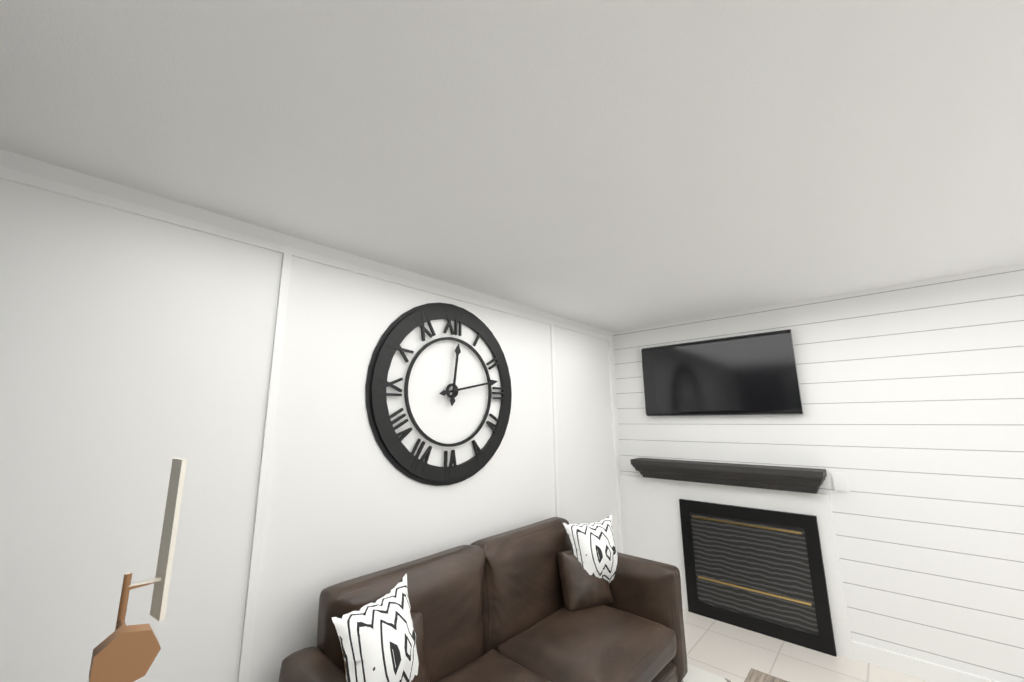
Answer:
{"hour": 12, "minute": 13}
